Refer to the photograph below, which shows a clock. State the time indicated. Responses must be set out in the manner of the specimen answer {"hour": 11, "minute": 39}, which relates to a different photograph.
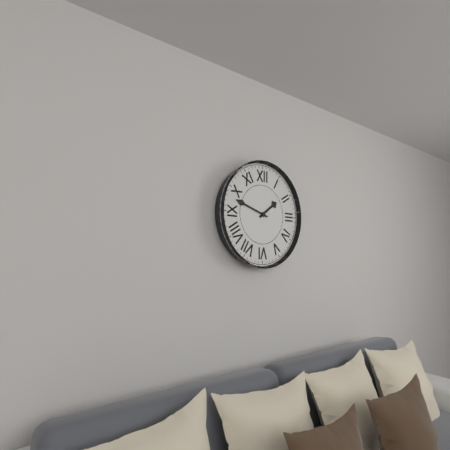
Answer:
{"hour": 1, "minute": 48}
